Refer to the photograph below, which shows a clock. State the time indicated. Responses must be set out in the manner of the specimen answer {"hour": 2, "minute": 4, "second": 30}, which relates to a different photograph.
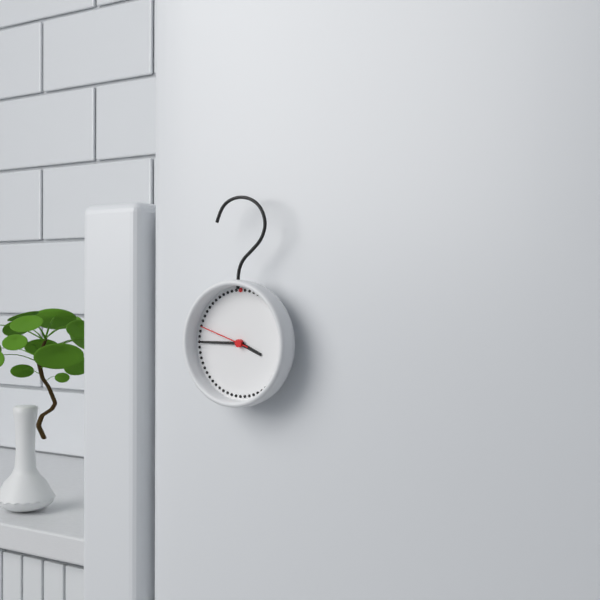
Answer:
{"hour": 3, "minute": 45, "second": 48}
